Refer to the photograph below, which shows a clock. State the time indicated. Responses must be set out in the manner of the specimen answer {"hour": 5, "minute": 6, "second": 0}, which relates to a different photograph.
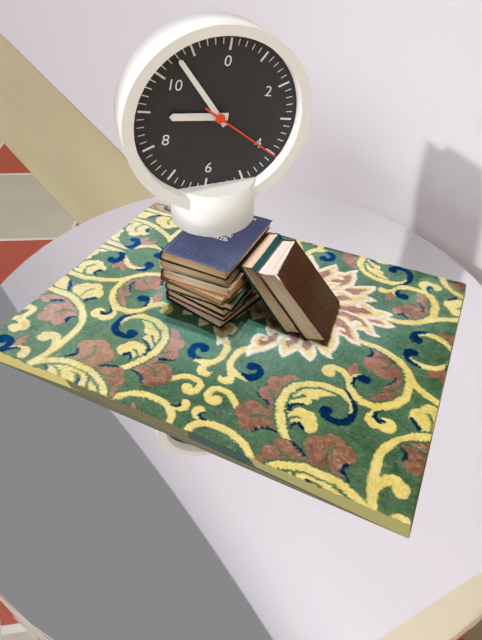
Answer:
{"hour": 8, "minute": 53, "second": 20}
